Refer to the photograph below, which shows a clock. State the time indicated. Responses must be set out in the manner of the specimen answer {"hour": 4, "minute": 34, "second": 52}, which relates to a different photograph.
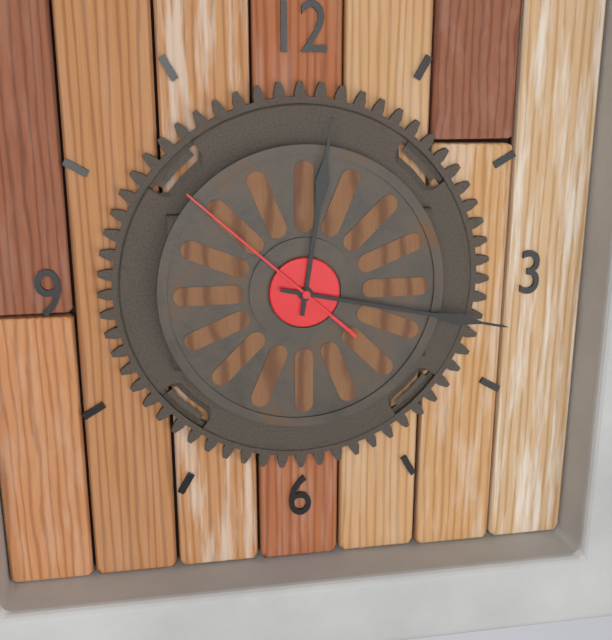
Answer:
{"hour": 12, "minute": 17, "second": 52}
